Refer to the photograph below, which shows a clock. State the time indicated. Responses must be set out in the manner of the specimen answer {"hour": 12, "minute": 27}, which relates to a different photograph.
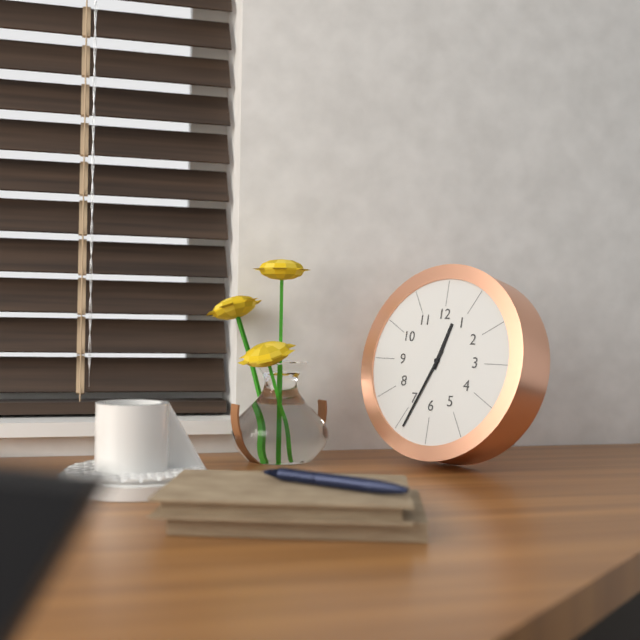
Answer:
{"hour": 12, "minute": 34}
